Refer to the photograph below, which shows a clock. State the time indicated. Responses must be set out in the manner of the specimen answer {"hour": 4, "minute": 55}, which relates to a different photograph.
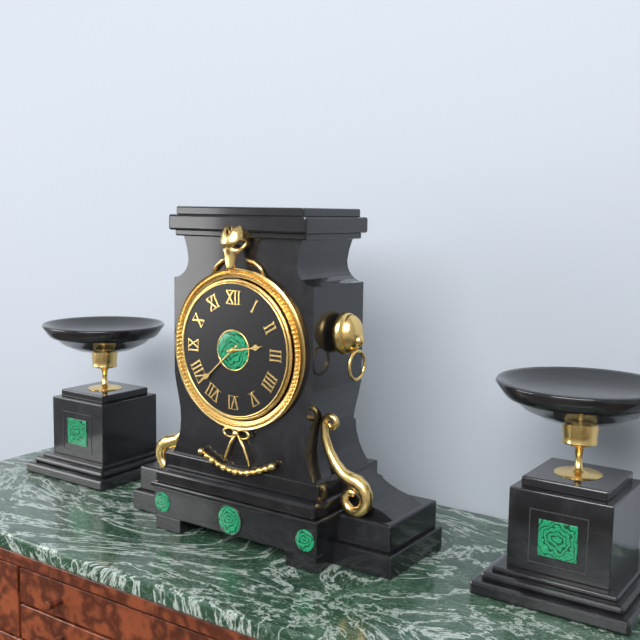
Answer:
{"hour": 2, "minute": 38}
